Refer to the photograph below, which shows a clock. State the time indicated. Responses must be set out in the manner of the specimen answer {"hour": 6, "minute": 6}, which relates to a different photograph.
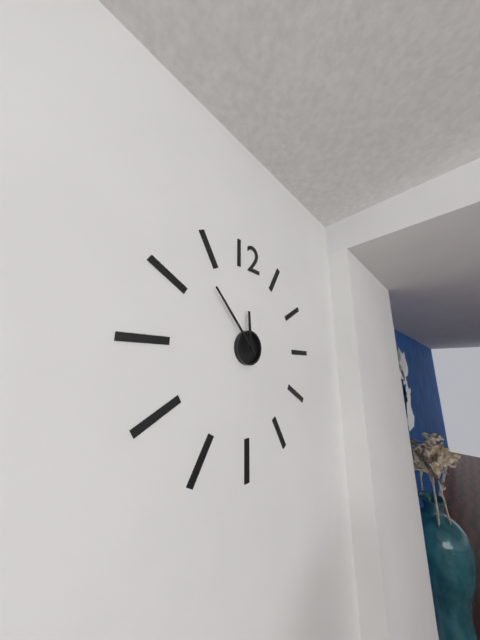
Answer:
{"hour": 11, "minute": 53}
